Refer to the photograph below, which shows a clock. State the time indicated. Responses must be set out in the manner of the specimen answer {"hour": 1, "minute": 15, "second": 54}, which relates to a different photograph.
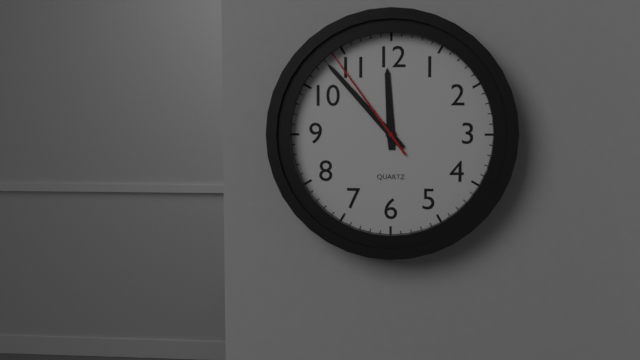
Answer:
{"hour": 11, "minute": 53, "second": 54}
